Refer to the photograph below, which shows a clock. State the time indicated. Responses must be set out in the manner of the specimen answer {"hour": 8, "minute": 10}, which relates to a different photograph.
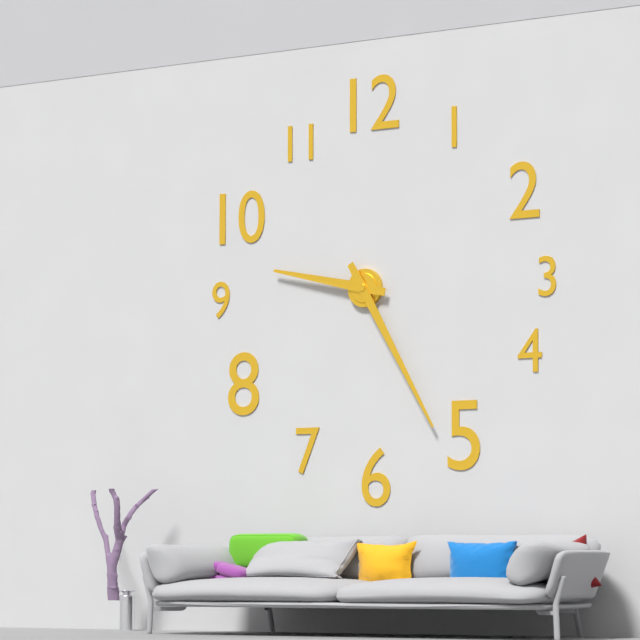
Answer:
{"hour": 9, "minute": 25}
